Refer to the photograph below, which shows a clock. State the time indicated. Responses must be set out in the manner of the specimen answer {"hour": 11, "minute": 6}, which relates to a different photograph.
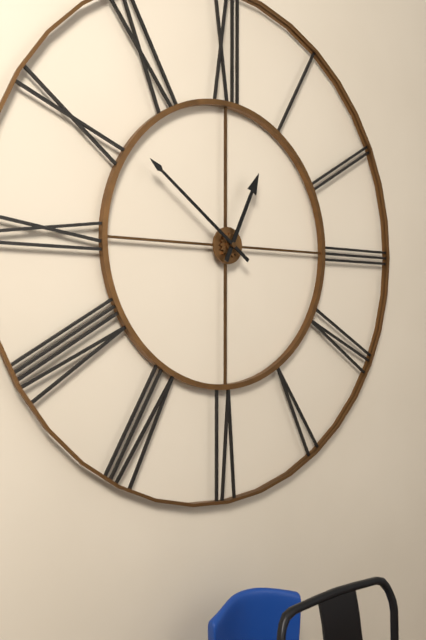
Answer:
{"hour": 12, "minute": 51}
